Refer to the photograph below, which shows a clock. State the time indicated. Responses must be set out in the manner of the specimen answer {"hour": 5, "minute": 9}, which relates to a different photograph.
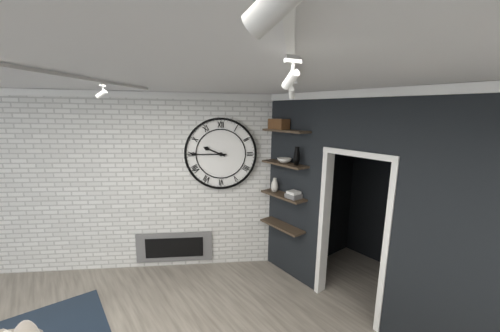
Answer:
{"hour": 9, "minute": 45}
